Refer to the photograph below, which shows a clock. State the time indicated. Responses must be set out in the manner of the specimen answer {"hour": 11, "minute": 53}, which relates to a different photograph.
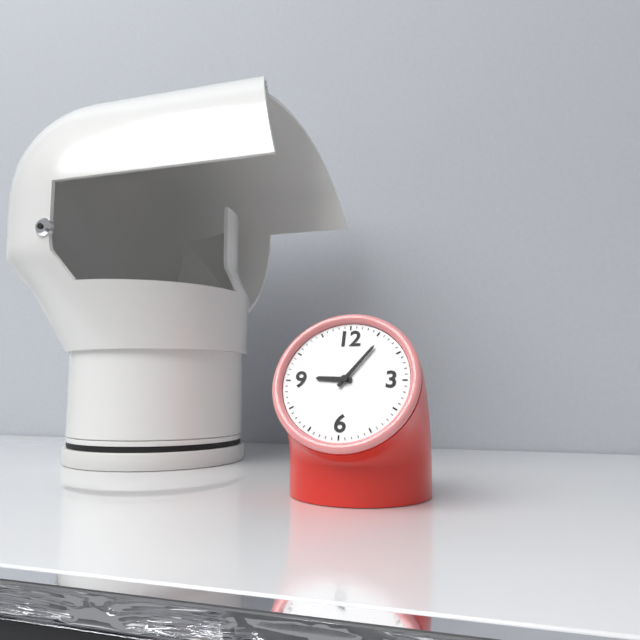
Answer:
{"hour": 9, "minute": 6}
